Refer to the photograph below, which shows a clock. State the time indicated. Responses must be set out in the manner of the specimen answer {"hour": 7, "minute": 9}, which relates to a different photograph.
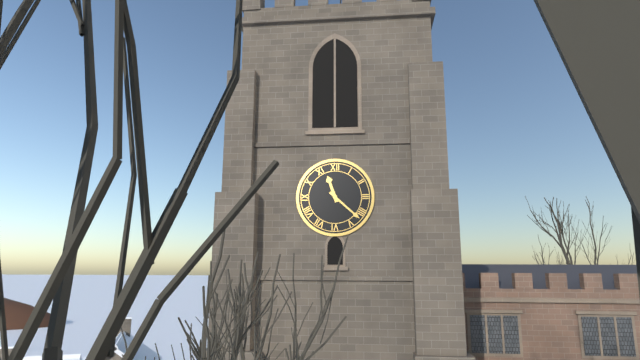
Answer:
{"hour": 11, "minute": 22}
